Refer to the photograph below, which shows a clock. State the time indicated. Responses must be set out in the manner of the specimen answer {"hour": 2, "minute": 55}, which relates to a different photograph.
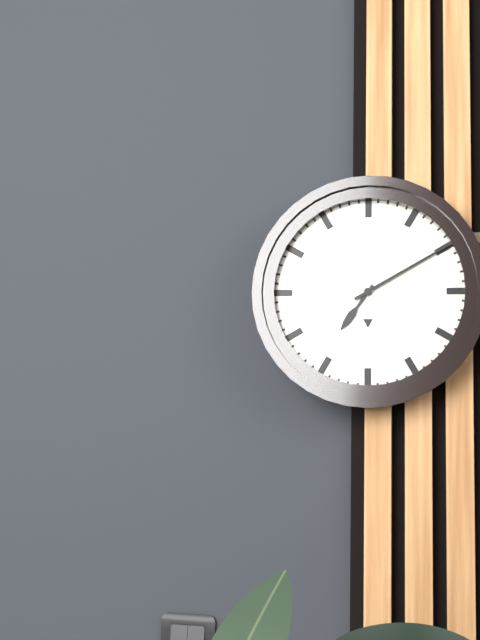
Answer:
{"hour": 7, "minute": 10}
